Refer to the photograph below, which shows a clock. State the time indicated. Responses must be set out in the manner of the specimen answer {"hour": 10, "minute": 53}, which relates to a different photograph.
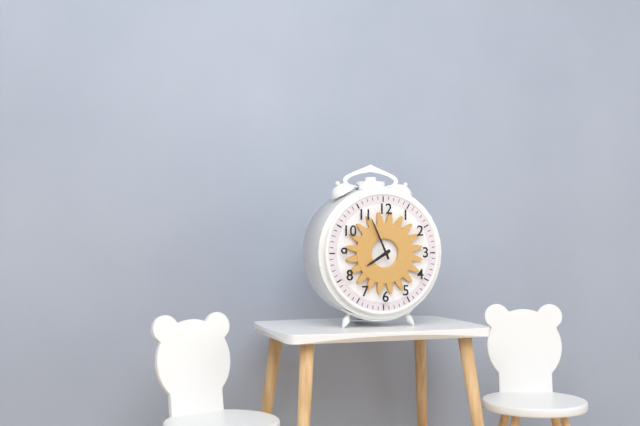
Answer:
{"hour": 7, "minute": 56}
